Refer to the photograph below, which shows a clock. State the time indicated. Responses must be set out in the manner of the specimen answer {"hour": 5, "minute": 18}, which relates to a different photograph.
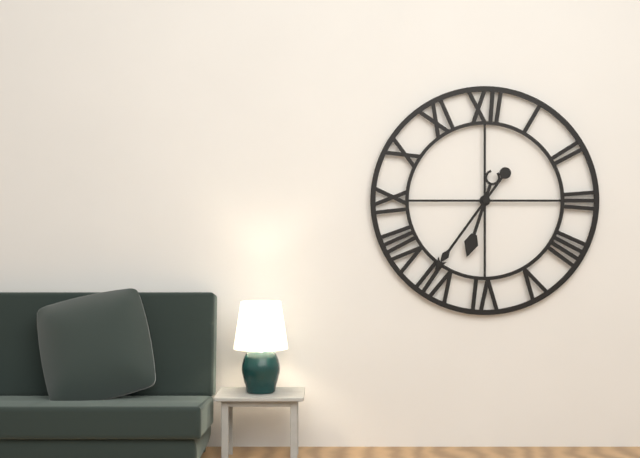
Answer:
{"hour": 6, "minute": 36}
